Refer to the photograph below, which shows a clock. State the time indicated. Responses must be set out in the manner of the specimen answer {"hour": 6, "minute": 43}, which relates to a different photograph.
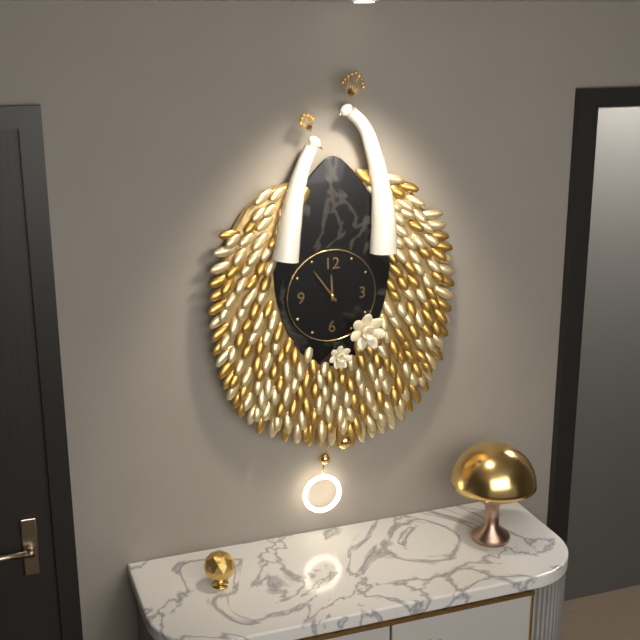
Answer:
{"hour": 11, "minute": 54}
